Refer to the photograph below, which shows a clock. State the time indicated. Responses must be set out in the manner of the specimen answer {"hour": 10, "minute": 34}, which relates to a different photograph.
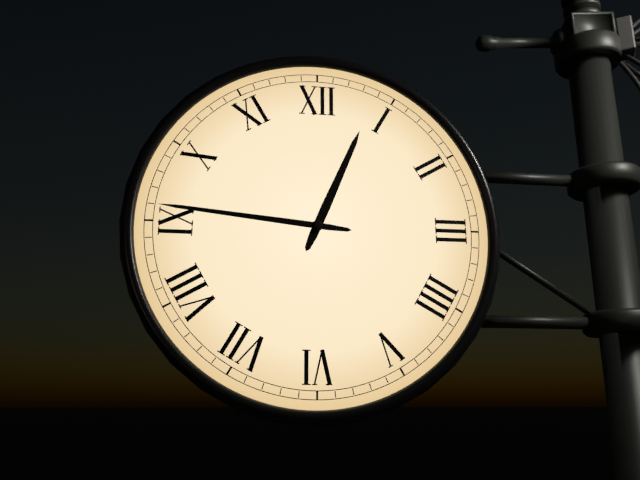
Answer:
{"hour": 12, "minute": 46}
